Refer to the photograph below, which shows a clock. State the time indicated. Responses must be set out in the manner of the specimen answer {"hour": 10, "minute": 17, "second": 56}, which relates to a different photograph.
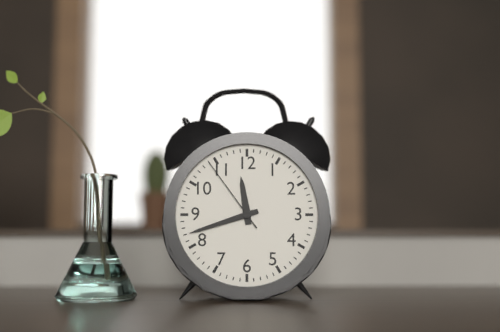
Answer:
{"hour": 11, "minute": 42, "second": 54}
